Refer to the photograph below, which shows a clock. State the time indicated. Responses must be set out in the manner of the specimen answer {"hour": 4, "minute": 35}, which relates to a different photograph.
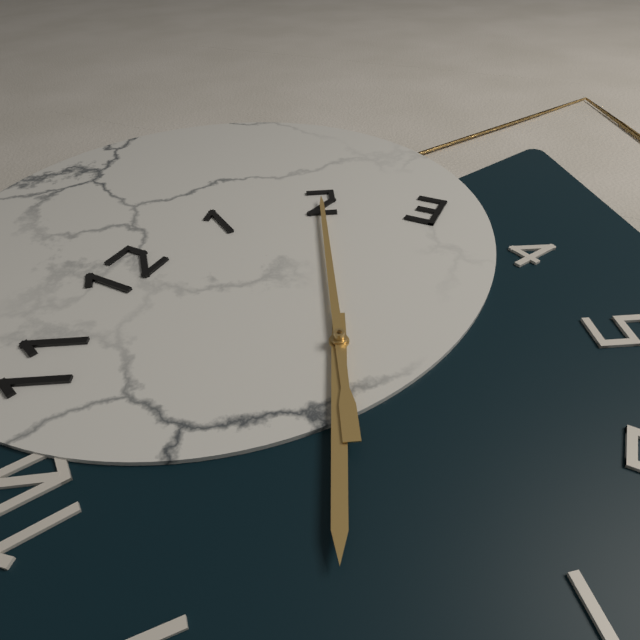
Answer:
{"hour": 8, "minute": 10}
